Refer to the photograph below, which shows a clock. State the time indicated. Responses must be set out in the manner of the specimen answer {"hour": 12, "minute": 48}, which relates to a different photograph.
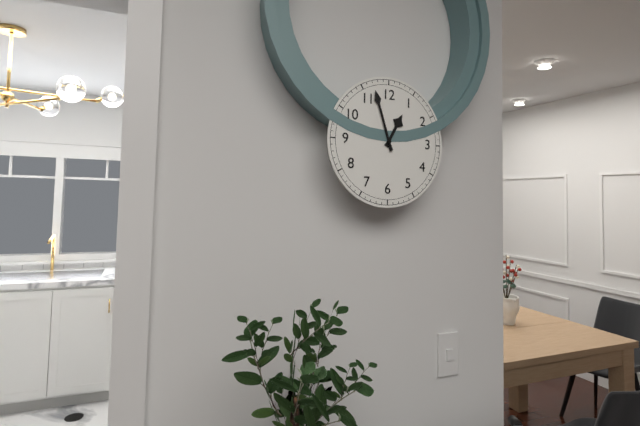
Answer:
{"hour": 12, "minute": 57}
